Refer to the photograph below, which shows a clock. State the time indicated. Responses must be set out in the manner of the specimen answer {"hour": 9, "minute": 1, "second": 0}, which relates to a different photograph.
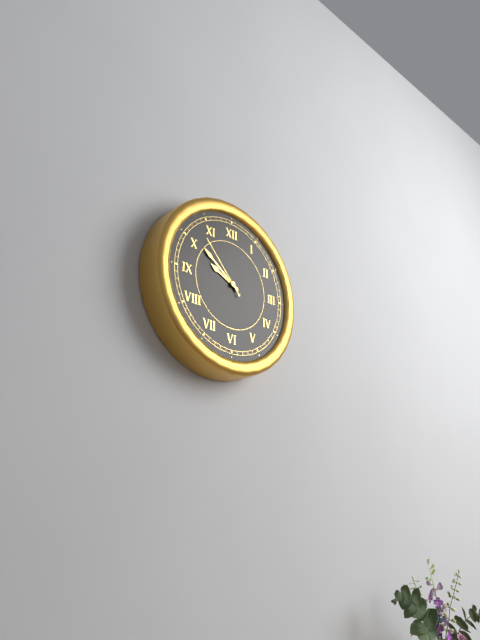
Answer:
{"hour": 9, "minute": 51, "second": 53}
